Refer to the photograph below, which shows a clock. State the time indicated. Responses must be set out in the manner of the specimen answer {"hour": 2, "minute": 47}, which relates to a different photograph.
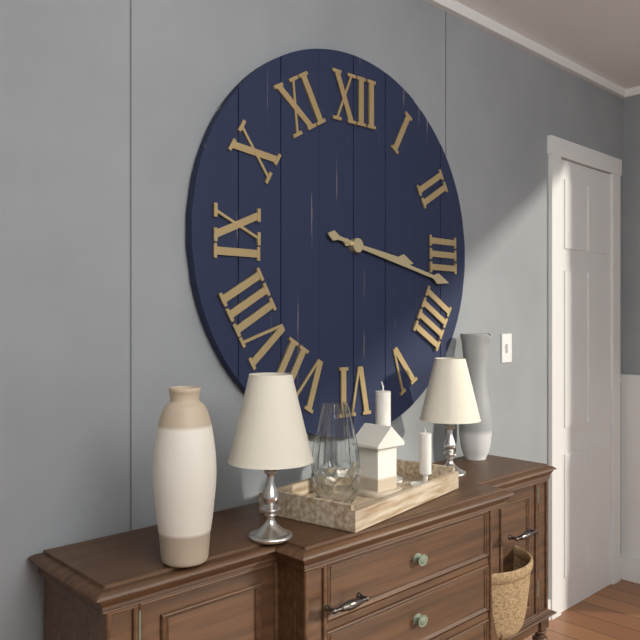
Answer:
{"hour": 3, "minute": 17}
